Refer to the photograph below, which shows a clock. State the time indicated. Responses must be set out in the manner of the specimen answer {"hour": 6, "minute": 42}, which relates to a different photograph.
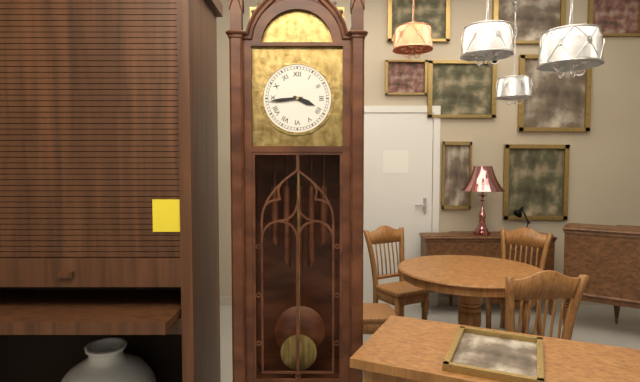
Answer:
{"hour": 3, "minute": 44}
